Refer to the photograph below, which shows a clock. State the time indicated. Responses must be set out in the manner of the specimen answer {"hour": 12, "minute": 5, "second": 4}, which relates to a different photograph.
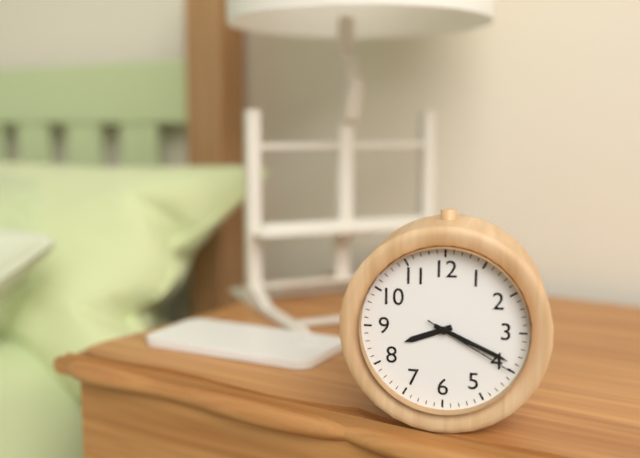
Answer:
{"hour": 8, "minute": 19, "second": 20}
